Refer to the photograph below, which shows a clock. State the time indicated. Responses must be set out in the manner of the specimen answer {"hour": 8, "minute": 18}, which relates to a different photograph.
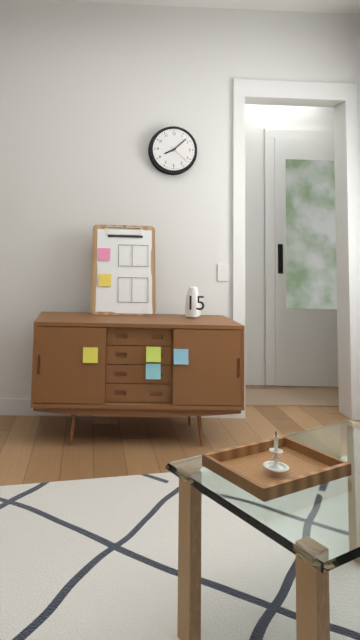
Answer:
{"hour": 8, "minute": 8}
